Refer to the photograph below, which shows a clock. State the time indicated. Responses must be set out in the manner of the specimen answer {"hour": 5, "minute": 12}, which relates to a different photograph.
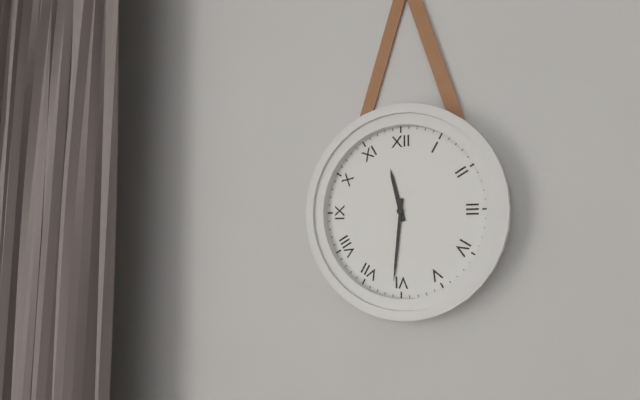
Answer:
{"hour": 11, "minute": 31}
